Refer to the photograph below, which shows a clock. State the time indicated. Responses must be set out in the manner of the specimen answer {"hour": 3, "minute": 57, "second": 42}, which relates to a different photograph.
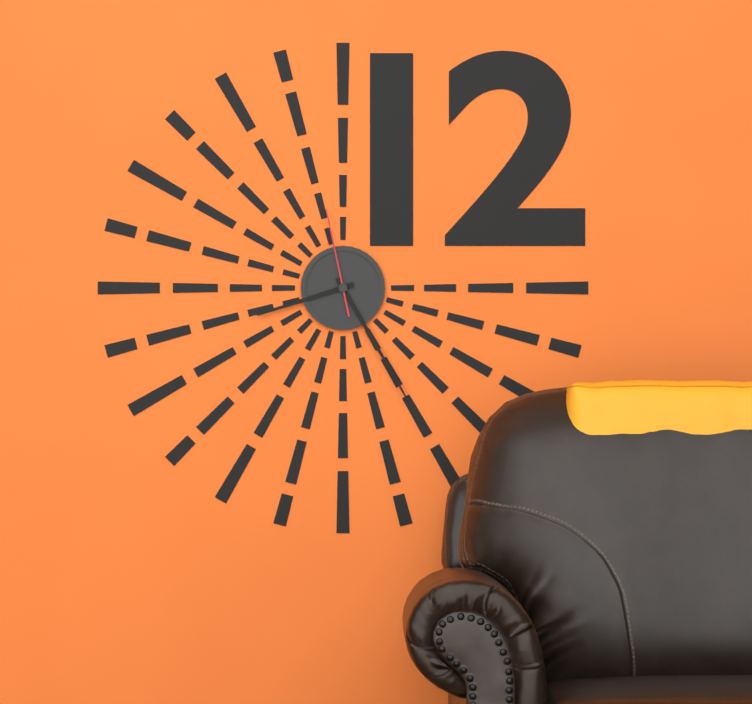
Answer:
{"hour": 8, "minute": 25, "second": 58}
